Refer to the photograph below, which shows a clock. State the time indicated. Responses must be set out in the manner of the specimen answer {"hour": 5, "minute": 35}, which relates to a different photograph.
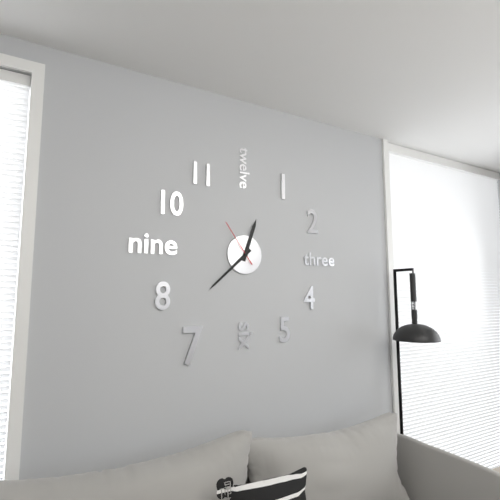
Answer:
{"hour": 12, "minute": 38}
